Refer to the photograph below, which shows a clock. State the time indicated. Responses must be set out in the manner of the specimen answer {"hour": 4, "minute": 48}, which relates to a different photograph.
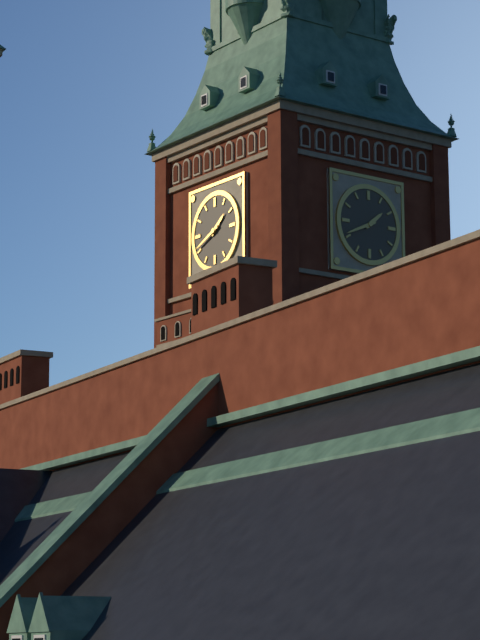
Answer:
{"hour": 1, "minute": 41}
